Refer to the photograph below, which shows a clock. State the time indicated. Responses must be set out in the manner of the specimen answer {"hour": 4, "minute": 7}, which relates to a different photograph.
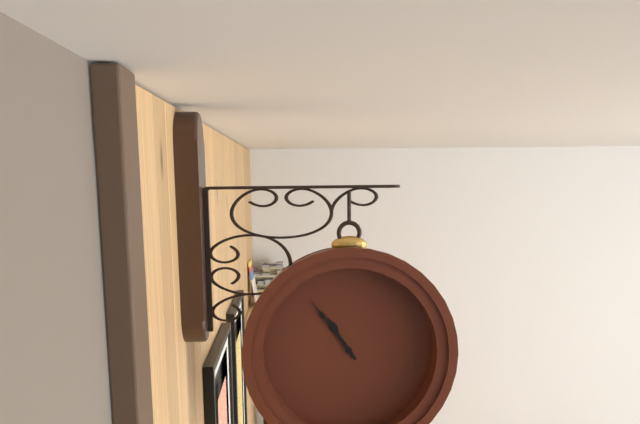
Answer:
{"hour": 10, "minute": 54}
